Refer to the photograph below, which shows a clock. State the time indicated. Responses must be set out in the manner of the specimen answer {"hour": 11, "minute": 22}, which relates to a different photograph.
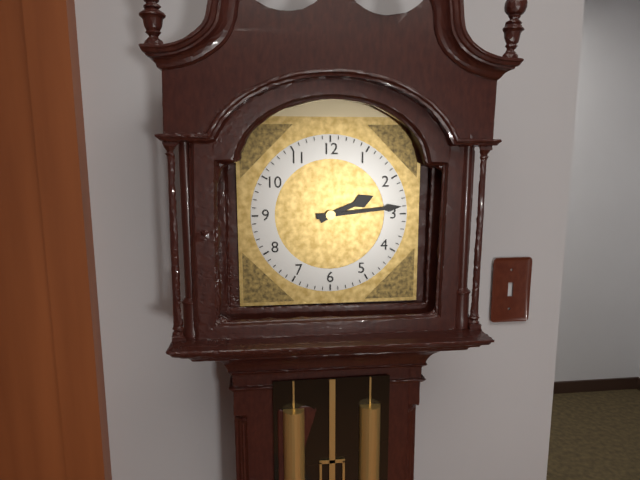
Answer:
{"hour": 2, "minute": 14}
